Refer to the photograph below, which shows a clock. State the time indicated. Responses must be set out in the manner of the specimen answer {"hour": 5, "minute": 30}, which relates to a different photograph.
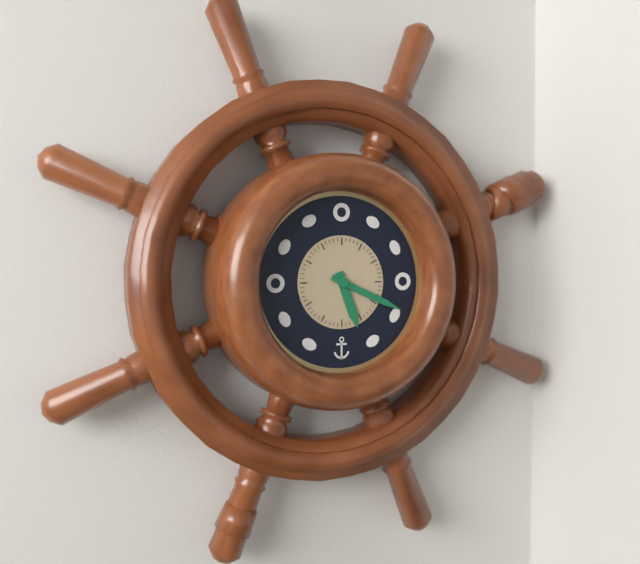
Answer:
{"hour": 5, "minute": 19}
